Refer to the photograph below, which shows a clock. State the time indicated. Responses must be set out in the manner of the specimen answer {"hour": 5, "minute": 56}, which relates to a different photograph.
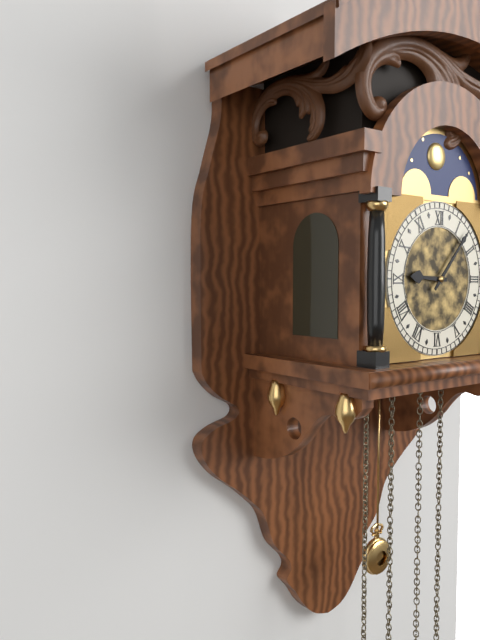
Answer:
{"hour": 9, "minute": 7}
